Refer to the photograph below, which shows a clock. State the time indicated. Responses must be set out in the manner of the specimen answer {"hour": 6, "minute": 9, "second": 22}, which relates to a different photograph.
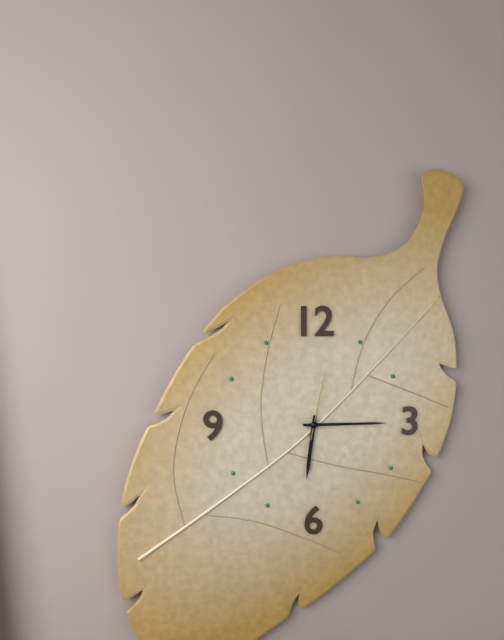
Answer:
{"hour": 6, "minute": 15, "second": 2}
